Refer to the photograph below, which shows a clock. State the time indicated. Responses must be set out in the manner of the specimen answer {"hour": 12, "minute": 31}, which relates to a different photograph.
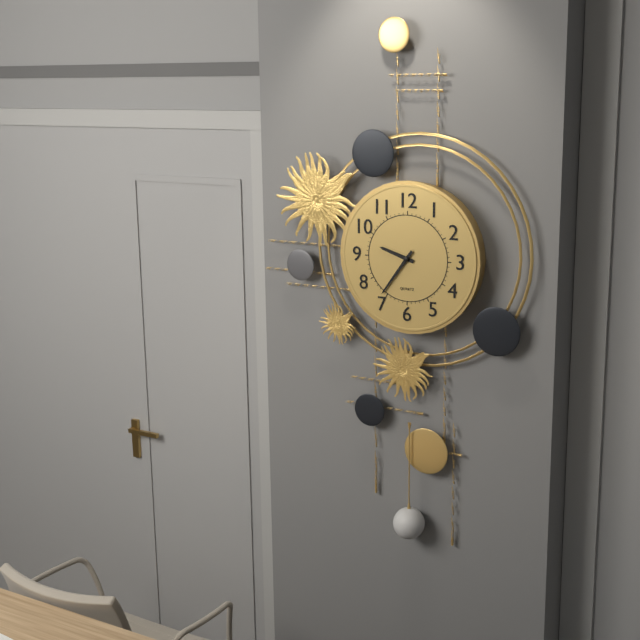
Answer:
{"hour": 9, "minute": 36}
